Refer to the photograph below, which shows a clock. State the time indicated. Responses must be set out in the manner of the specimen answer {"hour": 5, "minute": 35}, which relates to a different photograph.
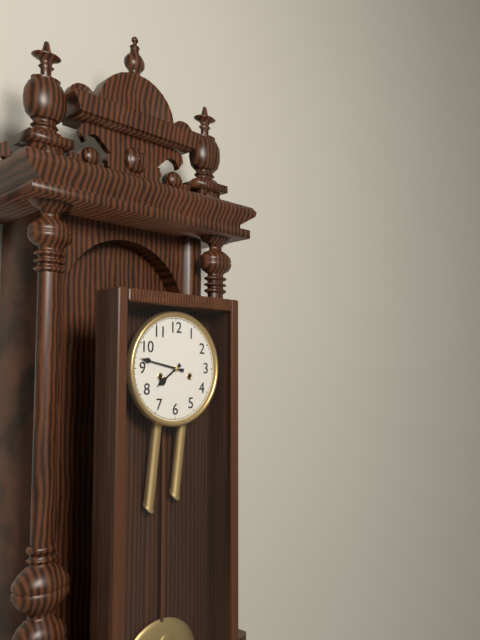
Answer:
{"hour": 7, "minute": 47}
